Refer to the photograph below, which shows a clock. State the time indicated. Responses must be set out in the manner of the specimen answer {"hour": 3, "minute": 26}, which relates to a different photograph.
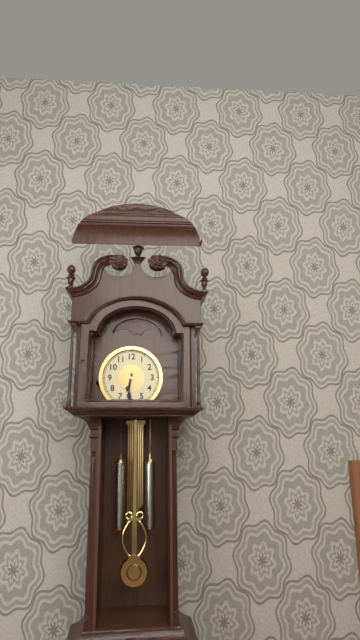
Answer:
{"hour": 6, "minute": 31}
